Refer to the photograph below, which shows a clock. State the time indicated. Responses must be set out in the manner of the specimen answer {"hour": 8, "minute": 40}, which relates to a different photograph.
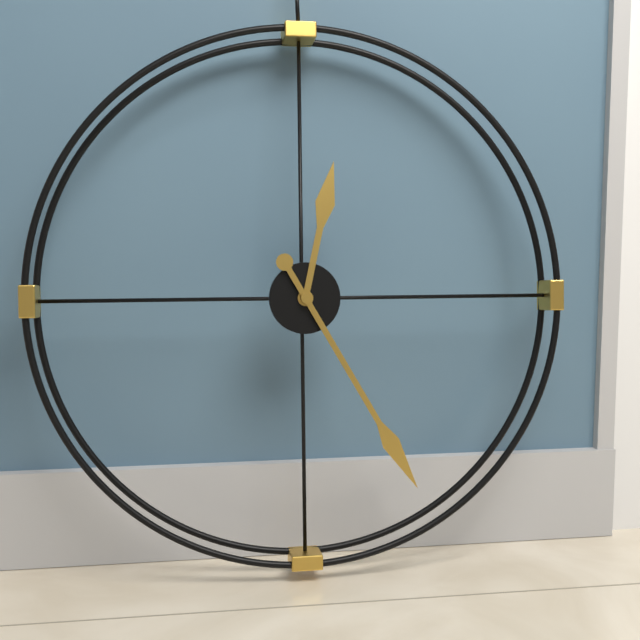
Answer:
{"hour": 12, "minute": 25}
